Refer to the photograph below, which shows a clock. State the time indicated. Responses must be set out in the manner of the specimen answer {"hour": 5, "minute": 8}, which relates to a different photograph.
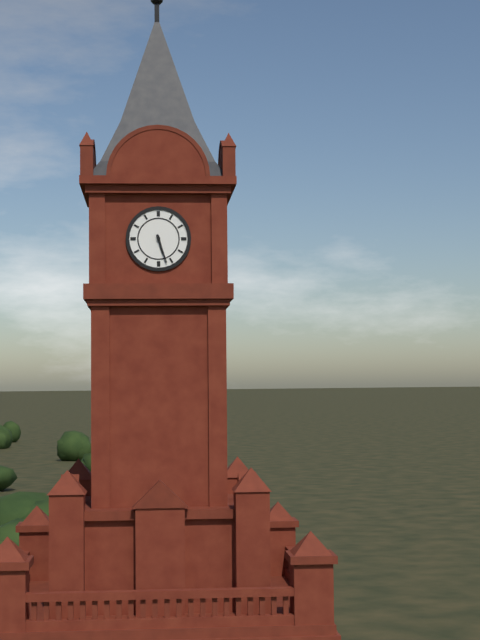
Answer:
{"hour": 5, "minute": 27}
